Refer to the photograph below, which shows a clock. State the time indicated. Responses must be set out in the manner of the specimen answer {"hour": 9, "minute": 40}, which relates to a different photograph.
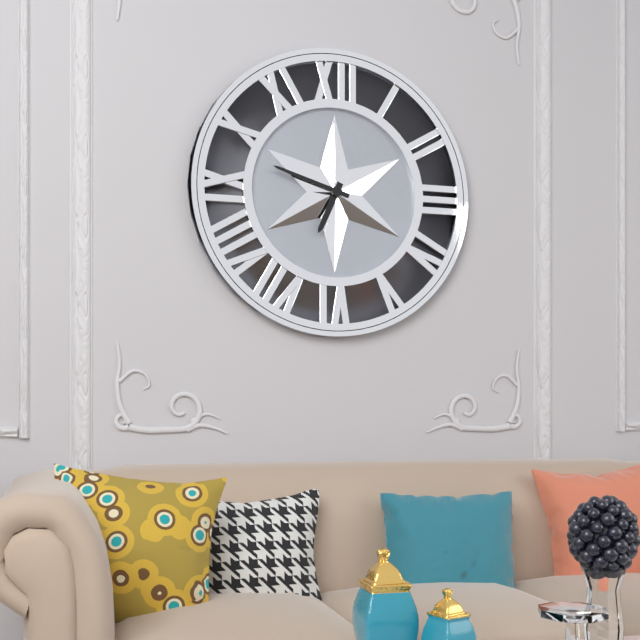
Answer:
{"hour": 6, "minute": 48}
